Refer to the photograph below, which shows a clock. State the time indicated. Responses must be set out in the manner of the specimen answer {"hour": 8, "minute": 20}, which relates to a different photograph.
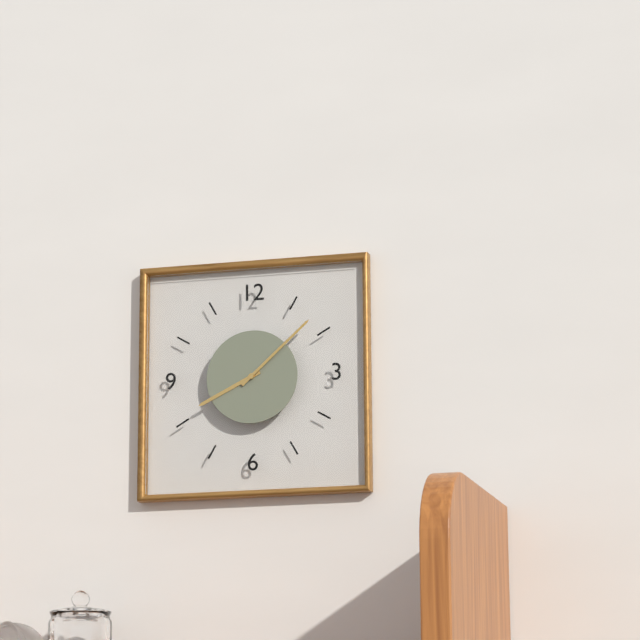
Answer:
{"hour": 8, "minute": 8}
